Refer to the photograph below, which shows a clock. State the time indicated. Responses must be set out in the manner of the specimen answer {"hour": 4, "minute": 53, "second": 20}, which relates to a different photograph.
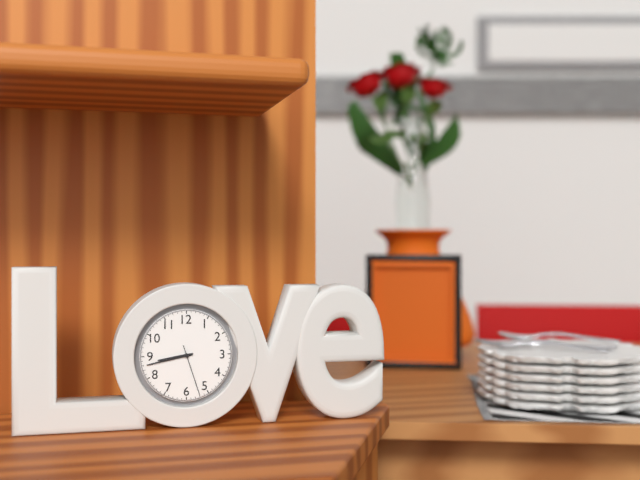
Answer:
{"hour": 8, "minute": 43, "second": 27}
